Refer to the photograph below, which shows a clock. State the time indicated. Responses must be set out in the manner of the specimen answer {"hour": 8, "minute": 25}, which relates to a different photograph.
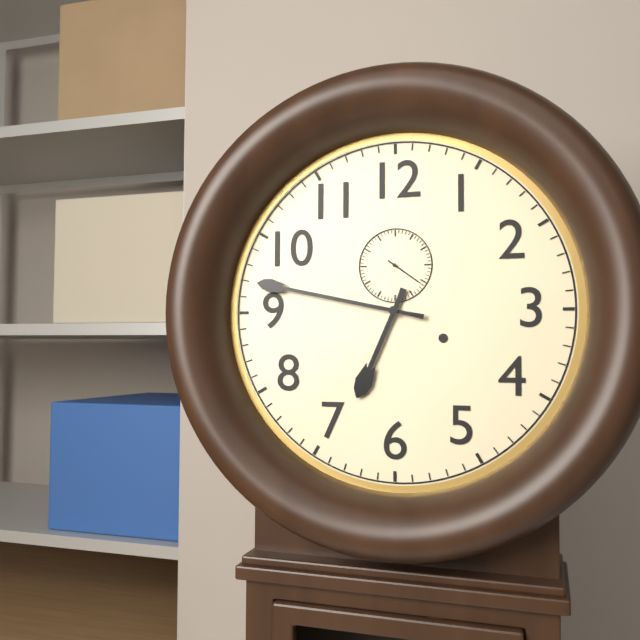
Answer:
{"hour": 6, "minute": 47}
